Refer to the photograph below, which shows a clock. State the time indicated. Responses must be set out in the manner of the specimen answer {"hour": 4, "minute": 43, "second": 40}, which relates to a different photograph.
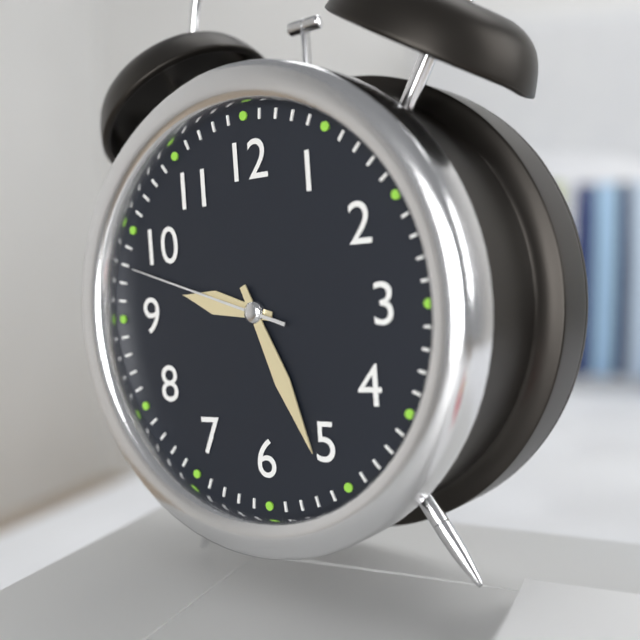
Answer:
{"hour": 9, "minute": 26, "second": 48}
